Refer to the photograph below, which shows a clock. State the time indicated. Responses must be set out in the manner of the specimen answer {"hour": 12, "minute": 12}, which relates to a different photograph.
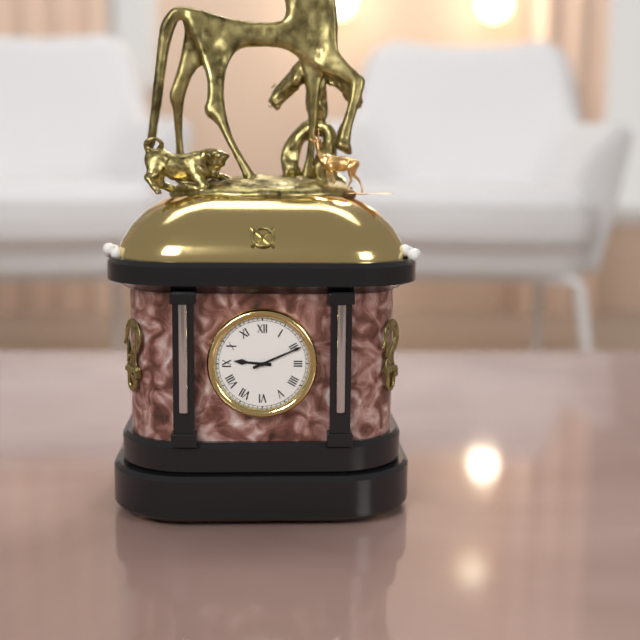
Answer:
{"hour": 9, "minute": 11}
